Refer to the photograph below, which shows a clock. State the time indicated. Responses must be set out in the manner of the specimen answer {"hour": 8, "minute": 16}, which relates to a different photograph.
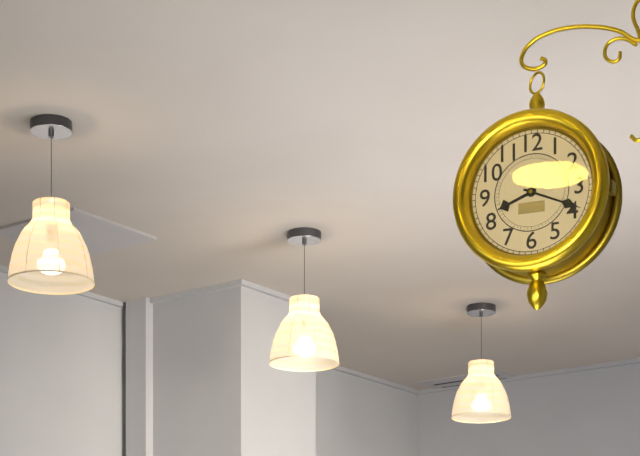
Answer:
{"hour": 8, "minute": 19}
